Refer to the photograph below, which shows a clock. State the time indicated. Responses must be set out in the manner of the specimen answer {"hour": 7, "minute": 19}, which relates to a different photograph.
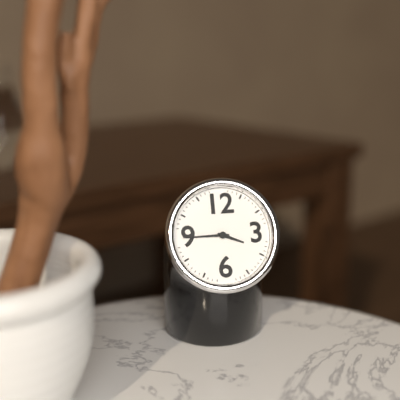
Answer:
{"hour": 3, "minute": 45}
